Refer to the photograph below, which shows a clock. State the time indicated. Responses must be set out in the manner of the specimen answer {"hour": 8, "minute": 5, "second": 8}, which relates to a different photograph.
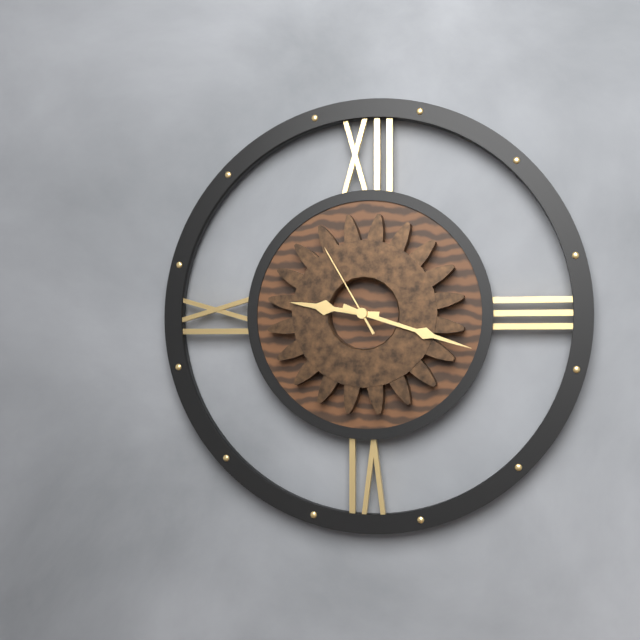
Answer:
{"hour": 9, "minute": 18, "second": 55}
